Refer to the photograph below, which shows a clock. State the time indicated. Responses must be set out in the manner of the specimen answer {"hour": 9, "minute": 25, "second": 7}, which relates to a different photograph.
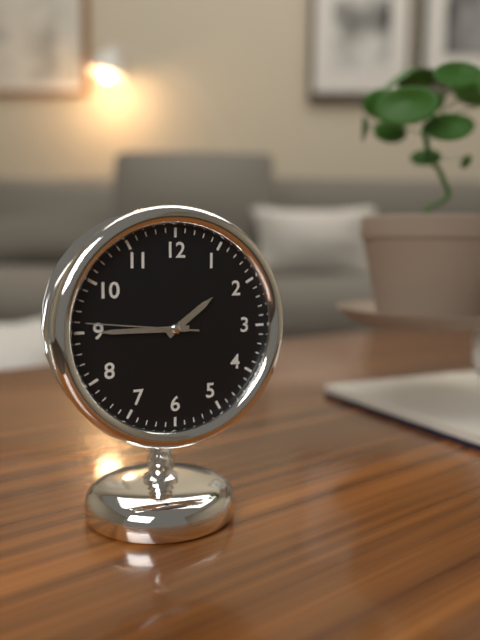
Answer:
{"hour": 1, "minute": 45, "second": 46}
